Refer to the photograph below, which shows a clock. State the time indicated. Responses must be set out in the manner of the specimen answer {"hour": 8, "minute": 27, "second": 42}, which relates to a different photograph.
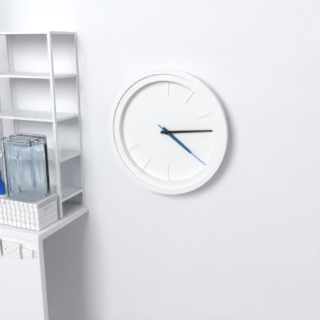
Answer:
{"hour": 4, "minute": 14, "second": 21}
